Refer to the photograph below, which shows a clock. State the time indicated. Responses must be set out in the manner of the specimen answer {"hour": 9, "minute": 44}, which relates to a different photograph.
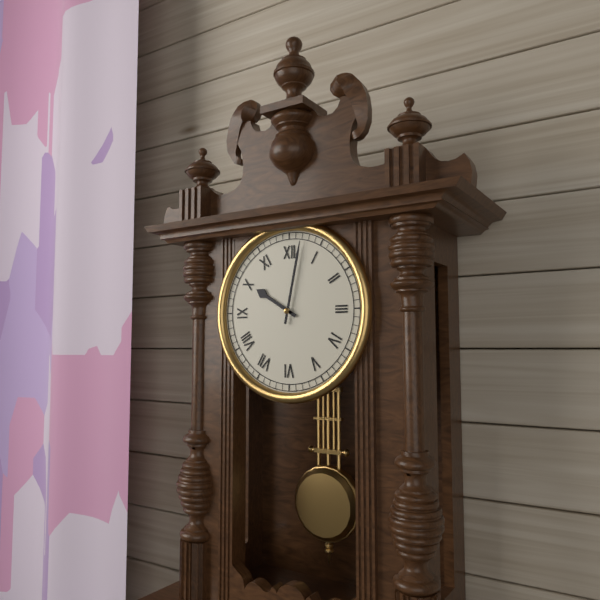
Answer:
{"hour": 10, "minute": 2}
